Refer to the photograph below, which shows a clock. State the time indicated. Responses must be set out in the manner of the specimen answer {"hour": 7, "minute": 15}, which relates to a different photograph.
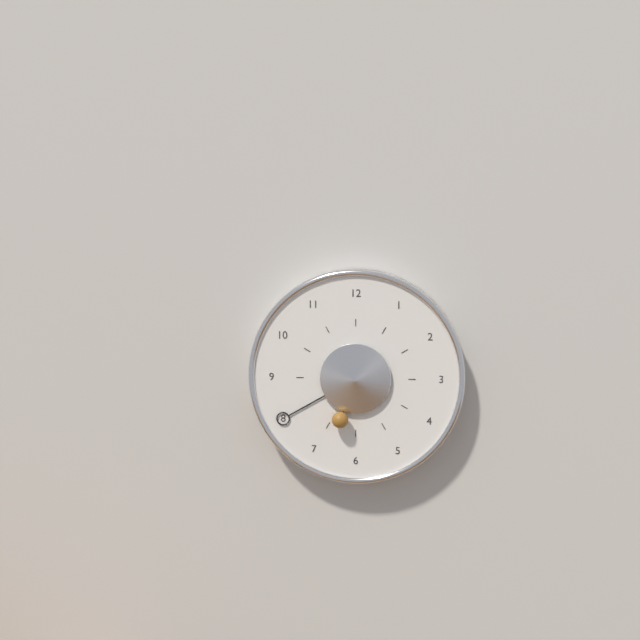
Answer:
{"hour": 6, "minute": 40}
